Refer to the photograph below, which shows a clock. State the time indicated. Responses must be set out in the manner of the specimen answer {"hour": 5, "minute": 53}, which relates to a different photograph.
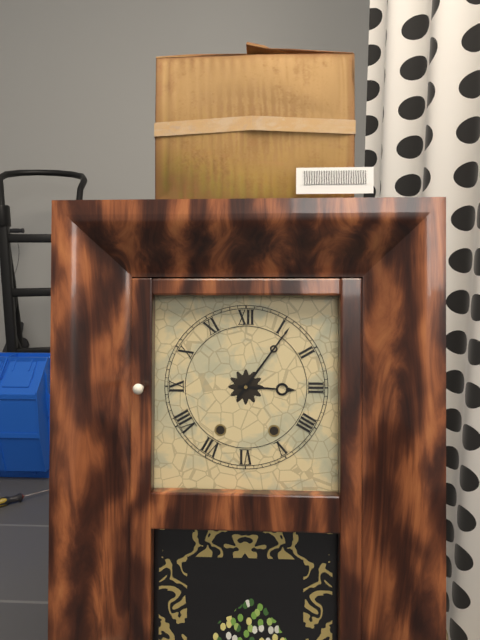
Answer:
{"hour": 3, "minute": 6}
